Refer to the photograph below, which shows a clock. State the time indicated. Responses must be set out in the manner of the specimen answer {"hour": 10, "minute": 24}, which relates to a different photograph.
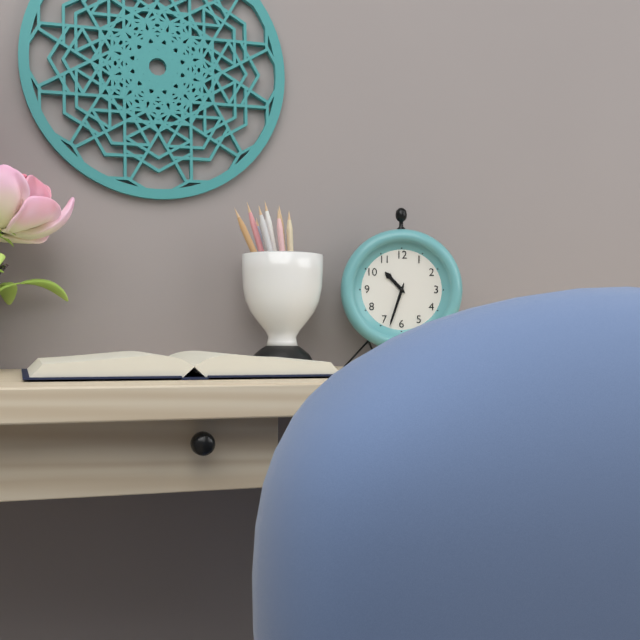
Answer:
{"hour": 10, "minute": 33}
